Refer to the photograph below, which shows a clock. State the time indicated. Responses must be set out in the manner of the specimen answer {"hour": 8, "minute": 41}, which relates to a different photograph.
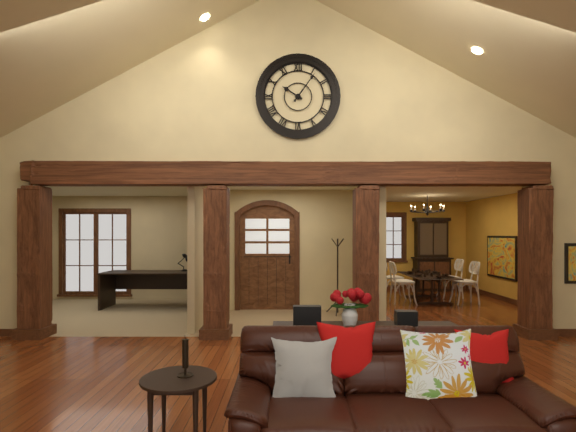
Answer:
{"hour": 10, "minute": 6}
